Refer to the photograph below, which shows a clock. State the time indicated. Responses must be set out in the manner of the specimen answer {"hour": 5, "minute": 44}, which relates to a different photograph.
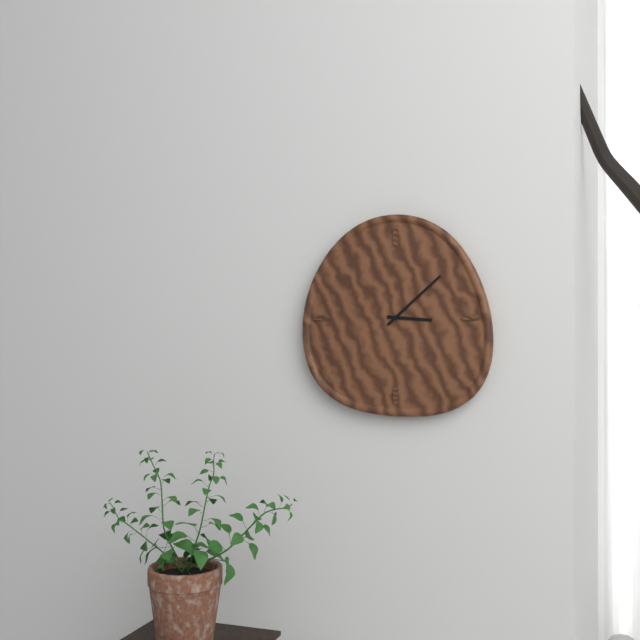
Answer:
{"hour": 3, "minute": 8}
